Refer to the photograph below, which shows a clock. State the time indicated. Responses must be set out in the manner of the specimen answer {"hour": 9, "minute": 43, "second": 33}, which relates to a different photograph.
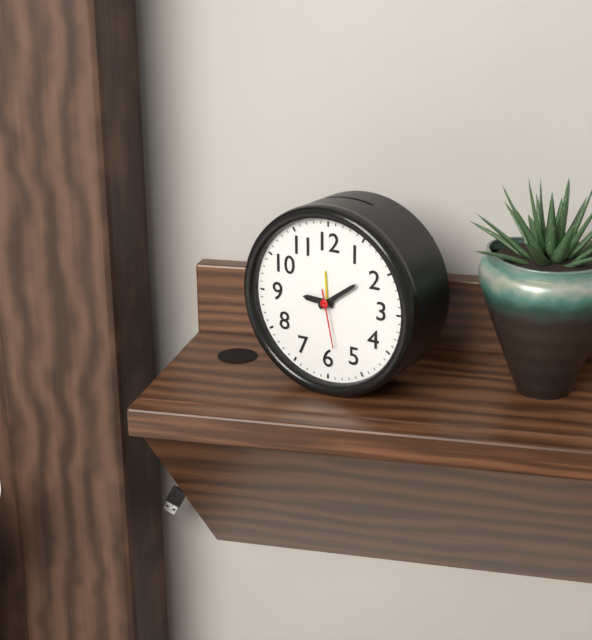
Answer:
{"hour": 9, "minute": 9, "second": 28}
